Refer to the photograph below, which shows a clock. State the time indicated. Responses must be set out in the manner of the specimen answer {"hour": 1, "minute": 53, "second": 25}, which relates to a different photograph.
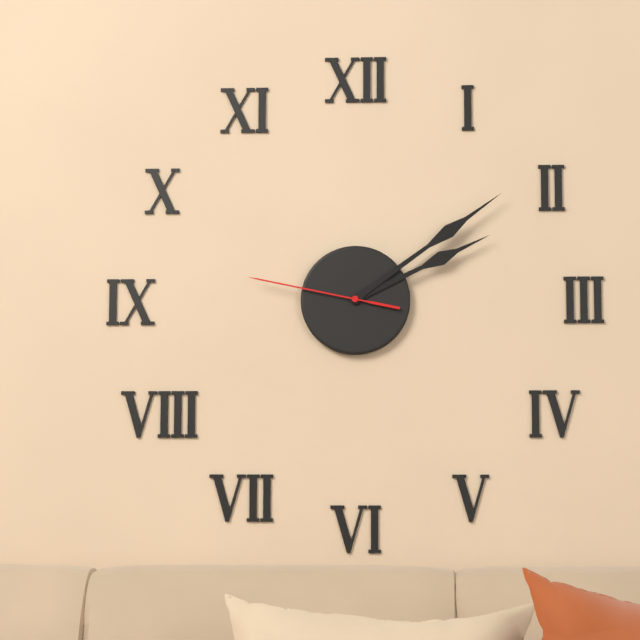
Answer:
{"hour": 2, "minute": 9, "second": 47}
